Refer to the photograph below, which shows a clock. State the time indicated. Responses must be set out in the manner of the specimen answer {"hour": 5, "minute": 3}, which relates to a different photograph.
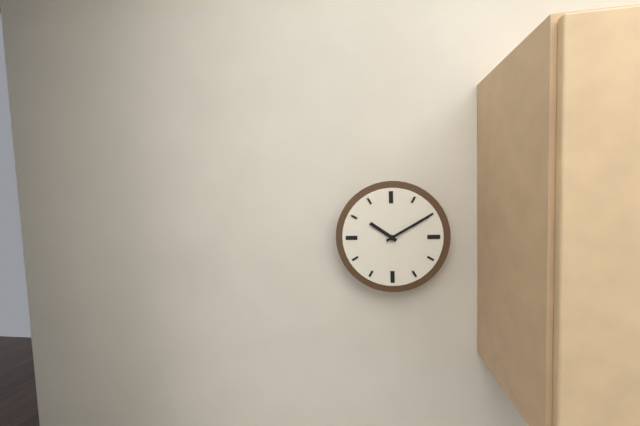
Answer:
{"hour": 10, "minute": 10}
